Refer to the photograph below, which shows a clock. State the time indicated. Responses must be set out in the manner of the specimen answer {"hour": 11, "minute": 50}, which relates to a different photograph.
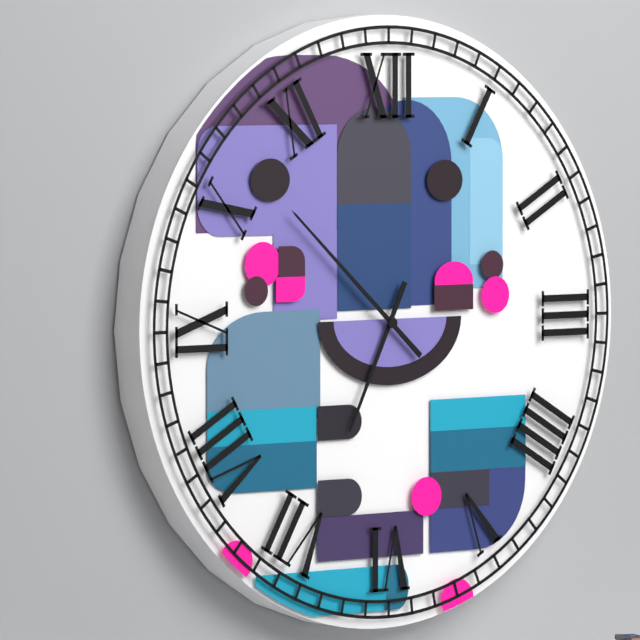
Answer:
{"hour": 6, "minute": 52}
